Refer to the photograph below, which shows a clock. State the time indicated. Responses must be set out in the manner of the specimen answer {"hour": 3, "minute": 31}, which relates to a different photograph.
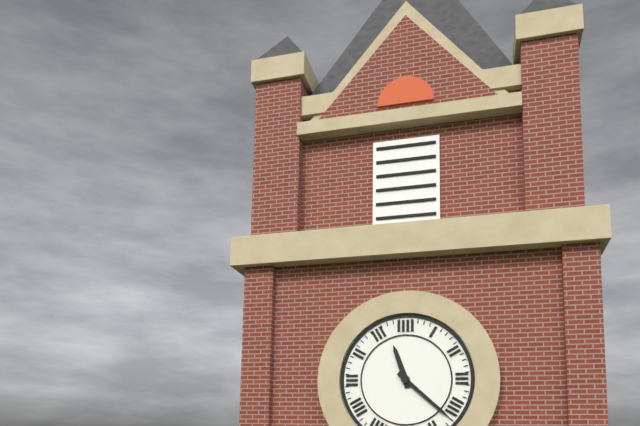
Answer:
{"hour": 11, "minute": 22}
